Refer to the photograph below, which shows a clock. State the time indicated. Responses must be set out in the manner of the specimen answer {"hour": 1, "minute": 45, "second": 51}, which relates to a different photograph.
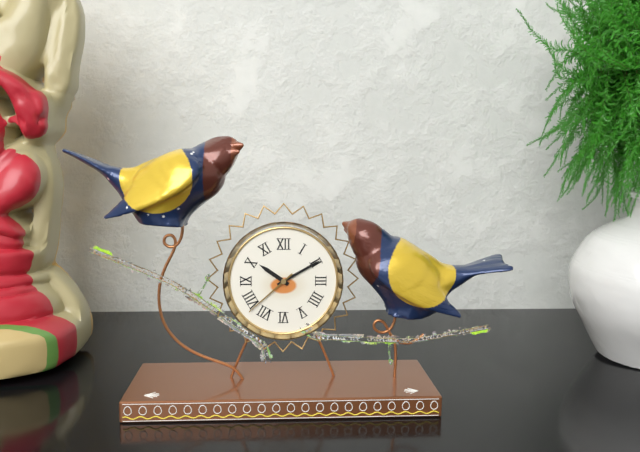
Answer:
{"hour": 10, "minute": 10, "second": 38}
